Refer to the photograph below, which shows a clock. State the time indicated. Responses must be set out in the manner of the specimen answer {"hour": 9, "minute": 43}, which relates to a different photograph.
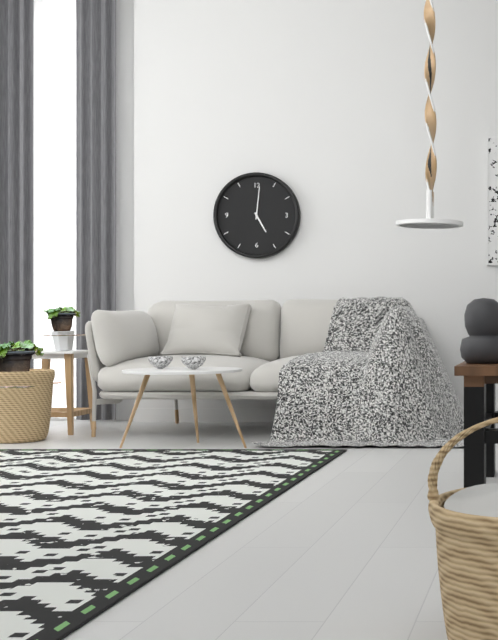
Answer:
{"hour": 5, "minute": 1}
